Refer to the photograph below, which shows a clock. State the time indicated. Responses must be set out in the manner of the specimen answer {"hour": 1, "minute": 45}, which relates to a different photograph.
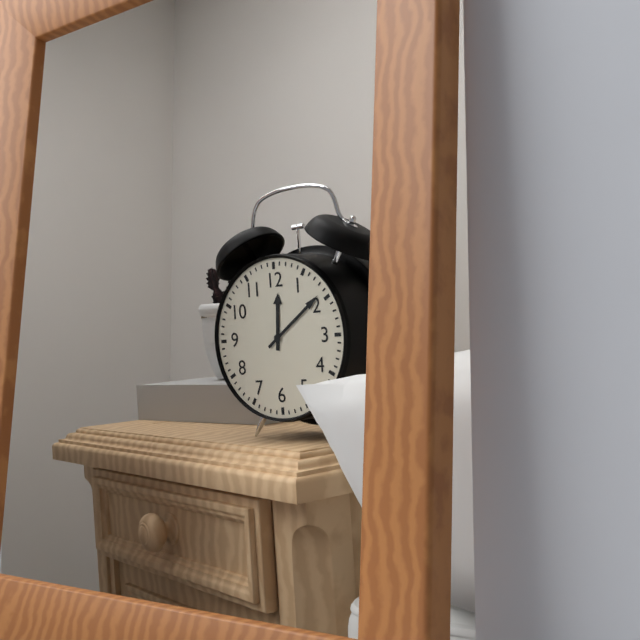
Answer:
{"hour": 12, "minute": 9}
